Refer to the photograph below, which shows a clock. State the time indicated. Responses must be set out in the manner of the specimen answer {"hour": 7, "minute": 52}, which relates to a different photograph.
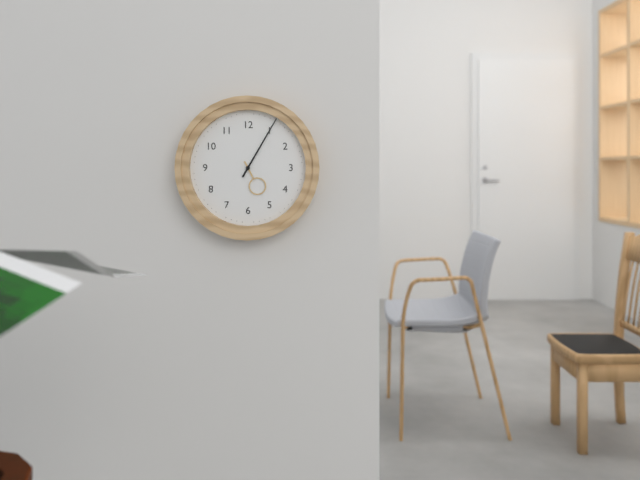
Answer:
{"hour": 5, "minute": 5}
